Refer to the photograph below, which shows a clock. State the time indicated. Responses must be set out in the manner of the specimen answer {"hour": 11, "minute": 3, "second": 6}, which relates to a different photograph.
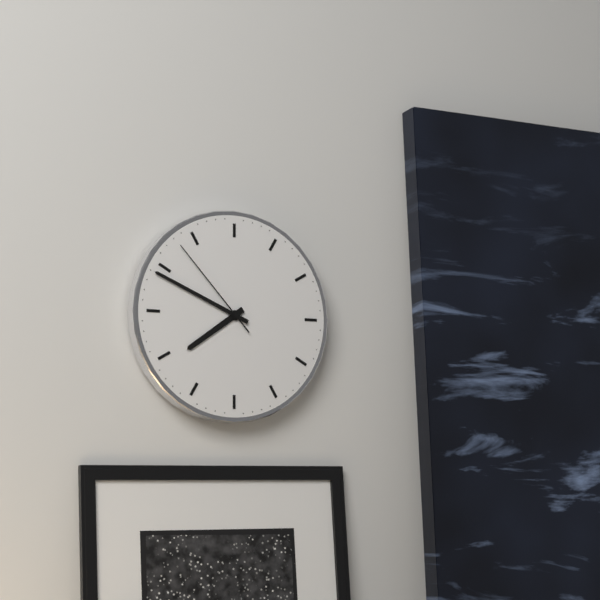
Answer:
{"hour": 7, "minute": 49, "second": 53}
